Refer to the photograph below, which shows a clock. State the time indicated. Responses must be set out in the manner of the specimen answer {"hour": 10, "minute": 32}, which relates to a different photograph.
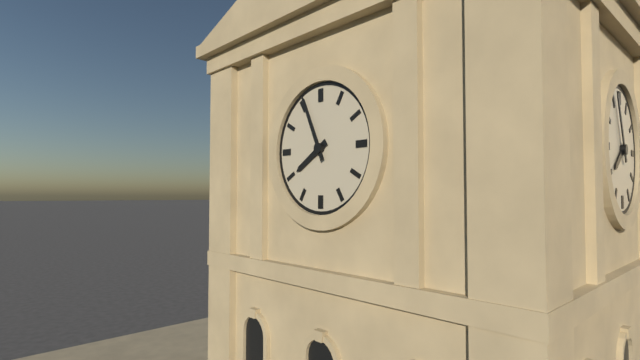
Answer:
{"hour": 7, "minute": 56}
